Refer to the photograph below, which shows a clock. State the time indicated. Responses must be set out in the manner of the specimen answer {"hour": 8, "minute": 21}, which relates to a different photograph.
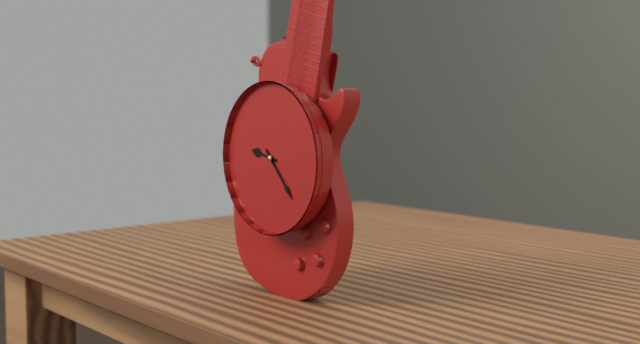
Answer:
{"hour": 9, "minute": 23}
